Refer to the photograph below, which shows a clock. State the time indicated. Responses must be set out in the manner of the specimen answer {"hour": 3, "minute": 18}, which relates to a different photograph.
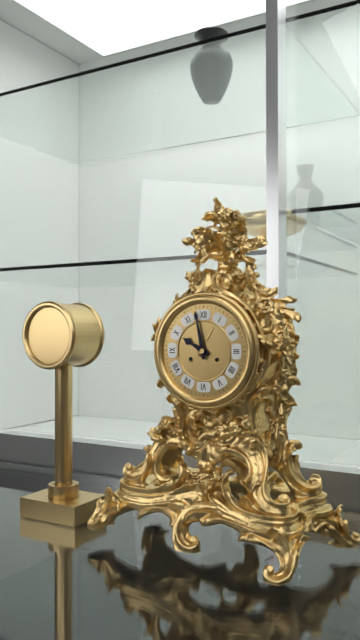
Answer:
{"hour": 9, "minute": 58}
